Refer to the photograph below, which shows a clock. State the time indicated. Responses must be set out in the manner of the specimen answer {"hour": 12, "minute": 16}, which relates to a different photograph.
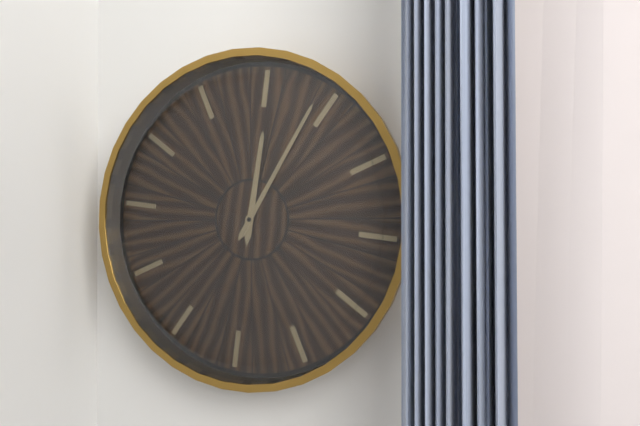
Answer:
{"hour": 12, "minute": 4}
